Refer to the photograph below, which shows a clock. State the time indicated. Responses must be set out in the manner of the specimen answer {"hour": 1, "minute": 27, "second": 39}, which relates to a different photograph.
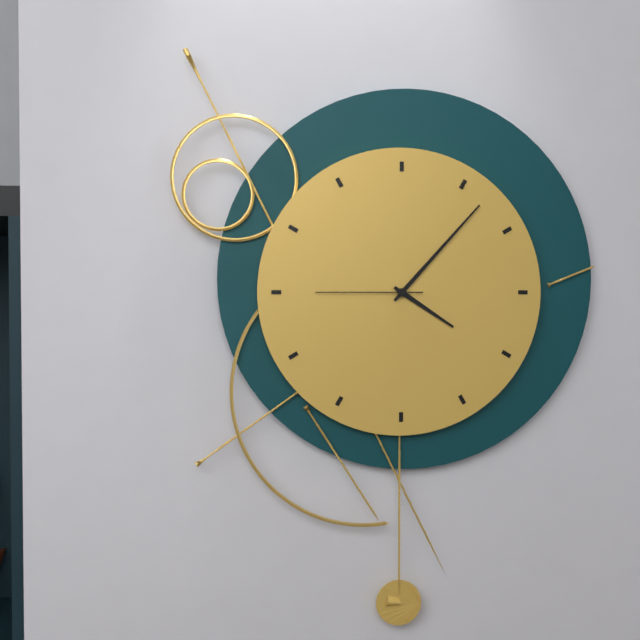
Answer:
{"hour": 4, "minute": 7, "second": 45}
